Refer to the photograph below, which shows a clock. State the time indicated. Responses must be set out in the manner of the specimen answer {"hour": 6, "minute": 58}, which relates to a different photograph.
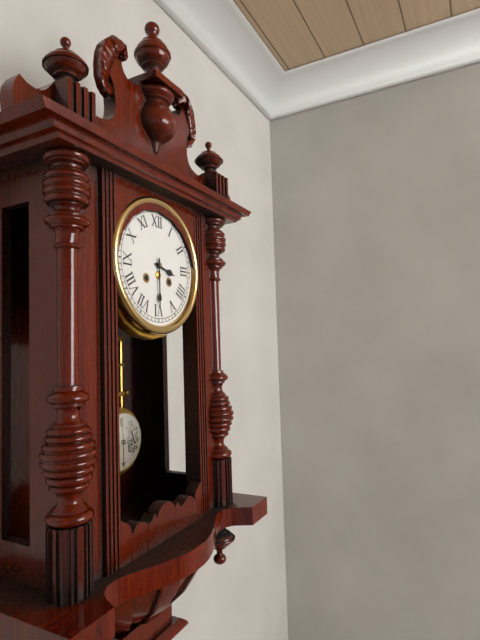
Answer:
{"hour": 3, "minute": 30}
